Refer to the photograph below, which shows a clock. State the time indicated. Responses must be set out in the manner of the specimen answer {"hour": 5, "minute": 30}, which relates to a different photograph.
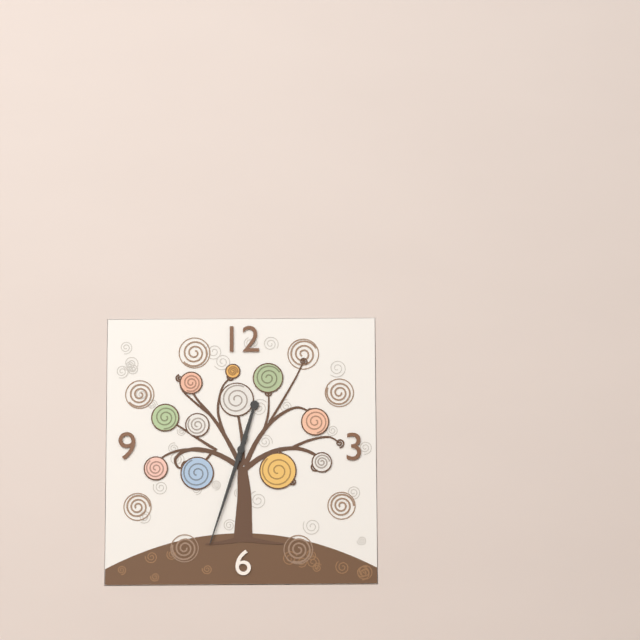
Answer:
{"hour": 12, "minute": 33}
